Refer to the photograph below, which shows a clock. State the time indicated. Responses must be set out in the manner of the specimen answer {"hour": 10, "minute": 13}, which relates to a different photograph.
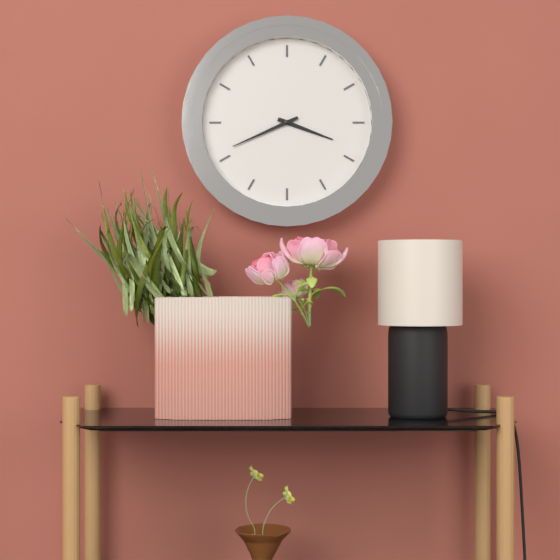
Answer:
{"hour": 3, "minute": 41}
